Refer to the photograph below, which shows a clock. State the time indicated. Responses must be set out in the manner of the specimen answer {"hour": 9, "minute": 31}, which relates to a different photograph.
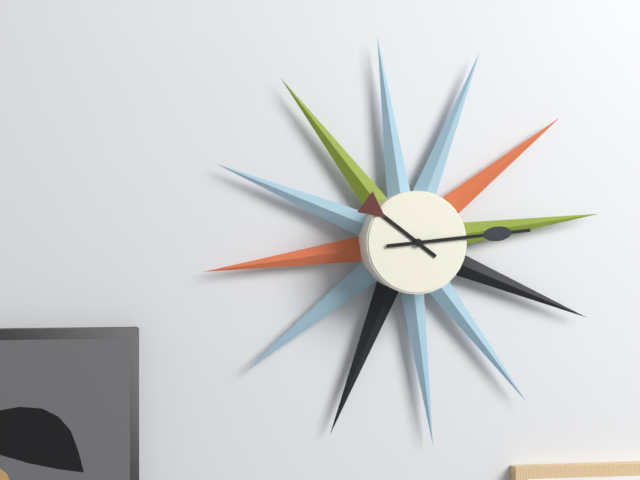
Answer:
{"hour": 10, "minute": 14}
